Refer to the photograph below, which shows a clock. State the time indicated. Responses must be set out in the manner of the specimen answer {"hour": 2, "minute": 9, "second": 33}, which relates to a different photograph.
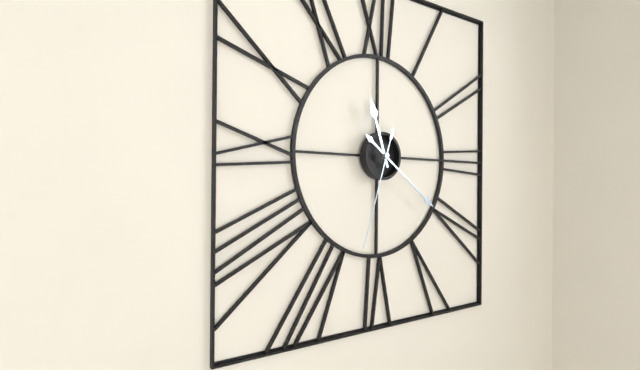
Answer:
{"hour": 11, "minute": 21, "second": 33}
